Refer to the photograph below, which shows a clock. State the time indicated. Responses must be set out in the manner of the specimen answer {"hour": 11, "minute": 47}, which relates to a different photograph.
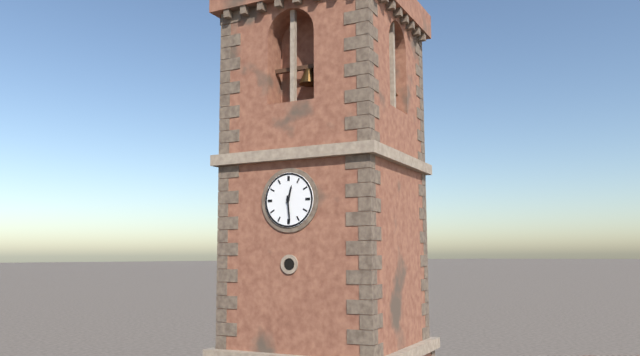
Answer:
{"hour": 12, "minute": 29}
